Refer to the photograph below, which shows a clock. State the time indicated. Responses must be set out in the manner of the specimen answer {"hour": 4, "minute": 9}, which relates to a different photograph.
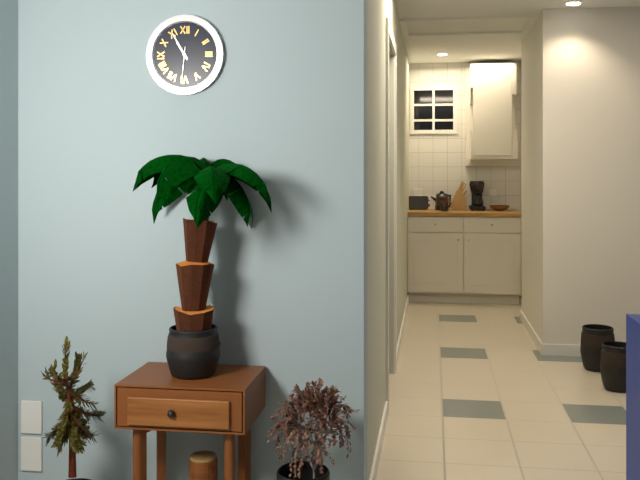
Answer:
{"hour": 10, "minute": 55}
